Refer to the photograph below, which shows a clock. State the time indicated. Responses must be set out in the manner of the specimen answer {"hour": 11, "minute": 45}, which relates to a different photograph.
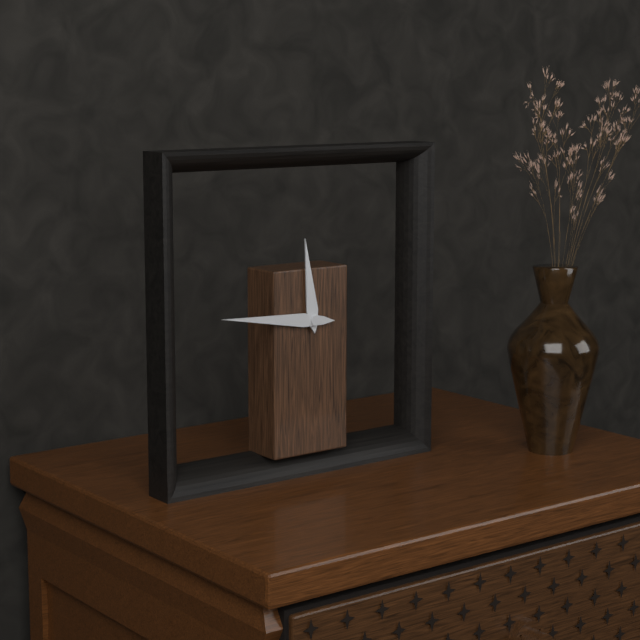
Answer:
{"hour": 11, "minute": 46}
